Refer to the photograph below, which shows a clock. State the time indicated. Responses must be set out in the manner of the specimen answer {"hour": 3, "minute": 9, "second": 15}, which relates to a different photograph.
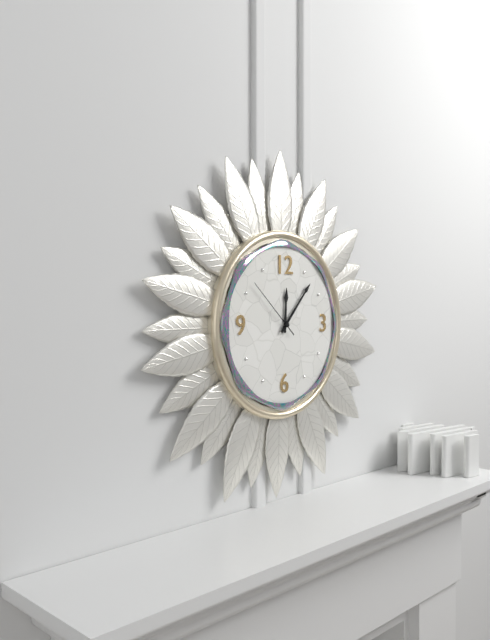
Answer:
{"hour": 12, "minute": 7, "second": 52}
